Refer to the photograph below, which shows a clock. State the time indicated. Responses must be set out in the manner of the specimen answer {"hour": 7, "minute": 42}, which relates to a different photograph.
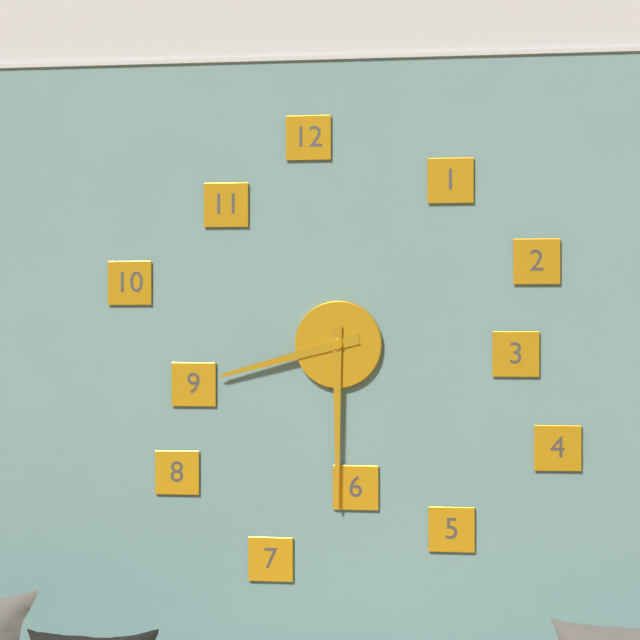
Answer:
{"hour": 8, "minute": 30}
